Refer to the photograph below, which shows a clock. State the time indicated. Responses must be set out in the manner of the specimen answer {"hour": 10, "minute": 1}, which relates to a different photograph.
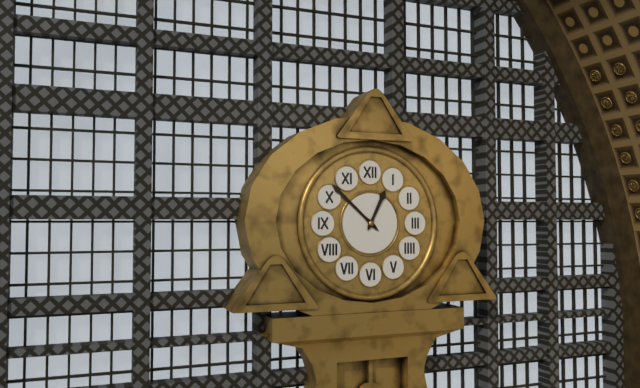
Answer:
{"hour": 12, "minute": 52}
